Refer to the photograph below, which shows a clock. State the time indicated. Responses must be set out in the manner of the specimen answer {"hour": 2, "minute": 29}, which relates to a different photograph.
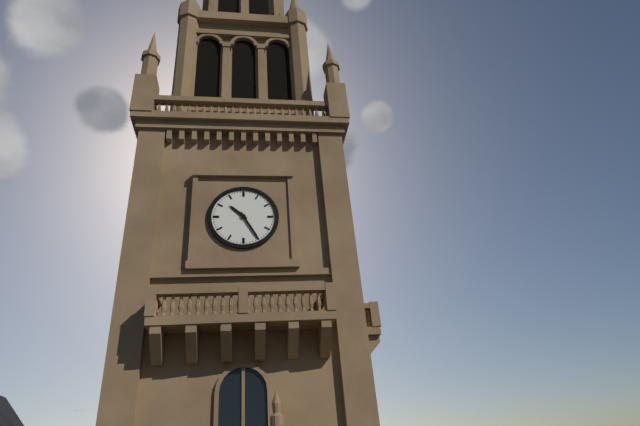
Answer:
{"hour": 10, "minute": 25}
